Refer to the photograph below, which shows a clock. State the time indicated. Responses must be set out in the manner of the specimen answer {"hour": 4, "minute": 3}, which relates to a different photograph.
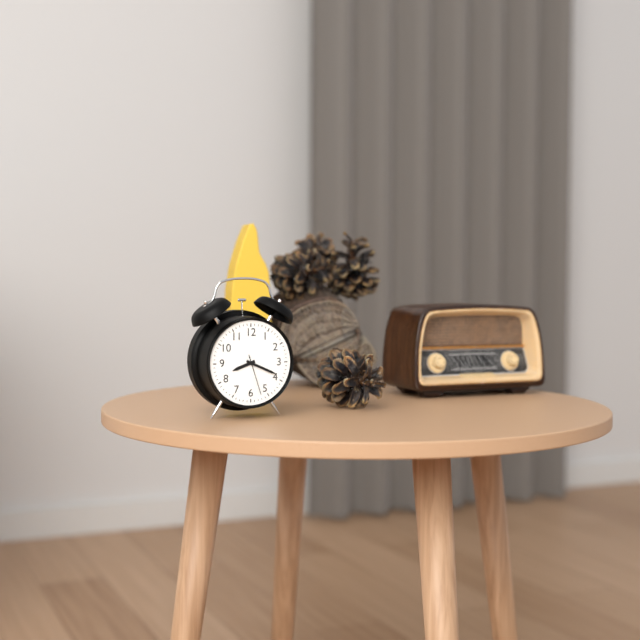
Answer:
{"hour": 8, "minute": 19}
